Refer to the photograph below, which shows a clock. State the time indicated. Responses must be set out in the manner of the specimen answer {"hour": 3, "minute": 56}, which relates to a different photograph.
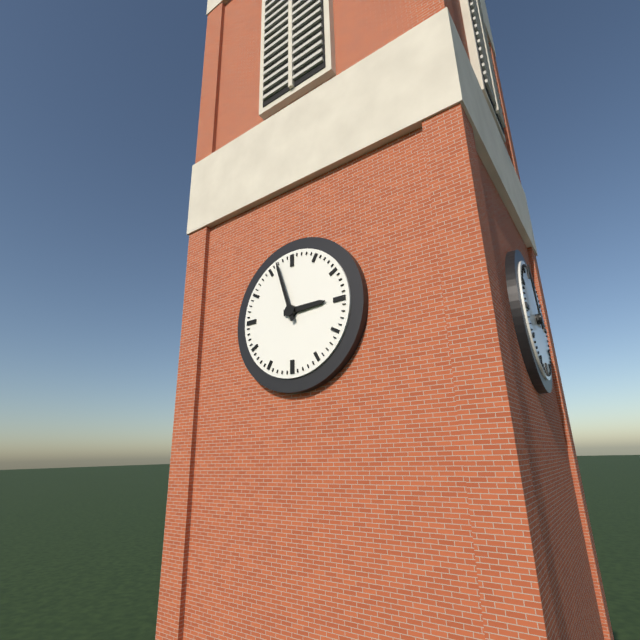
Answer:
{"hour": 2, "minute": 57}
